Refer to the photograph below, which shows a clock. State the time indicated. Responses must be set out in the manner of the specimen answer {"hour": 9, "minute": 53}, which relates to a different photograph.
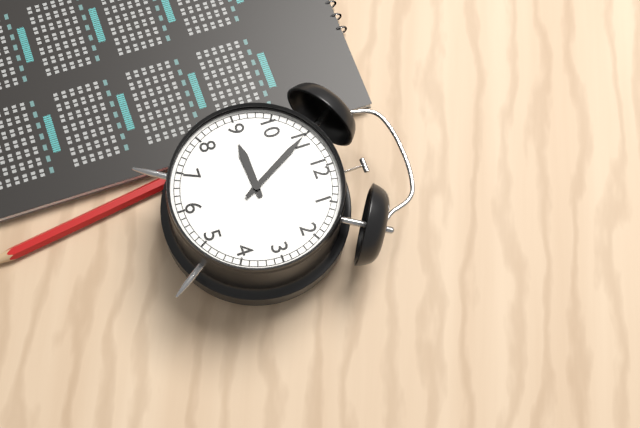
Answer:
{"hour": 8, "minute": 55}
